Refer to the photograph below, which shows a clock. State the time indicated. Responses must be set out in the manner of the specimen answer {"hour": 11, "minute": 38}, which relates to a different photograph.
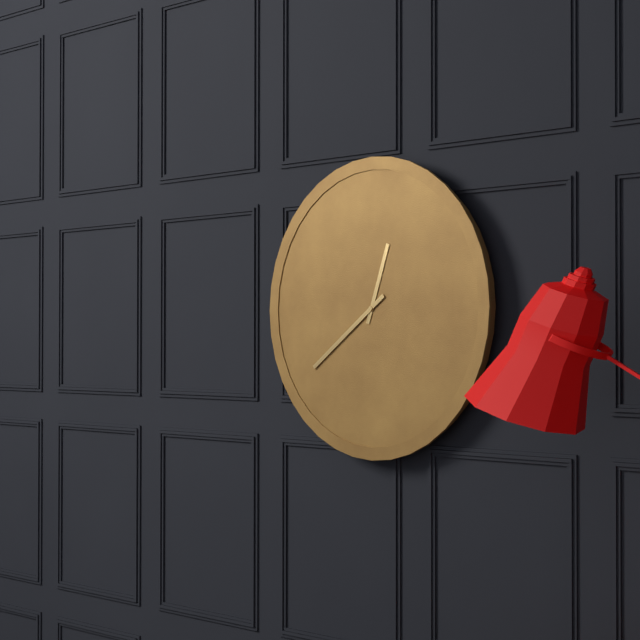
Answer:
{"hour": 12, "minute": 39}
